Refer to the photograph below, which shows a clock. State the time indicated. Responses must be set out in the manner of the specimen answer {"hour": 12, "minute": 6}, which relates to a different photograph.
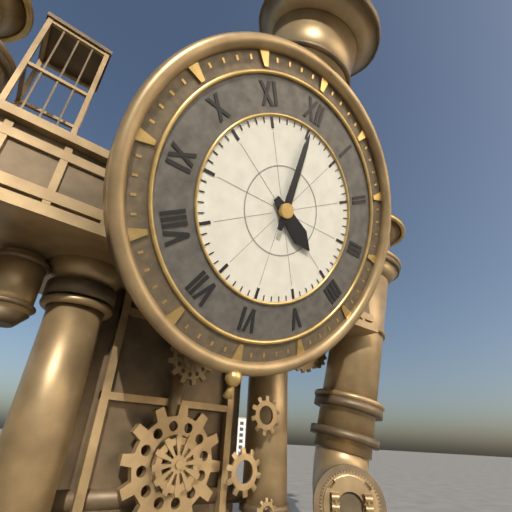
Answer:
{"hour": 4, "minute": 0}
